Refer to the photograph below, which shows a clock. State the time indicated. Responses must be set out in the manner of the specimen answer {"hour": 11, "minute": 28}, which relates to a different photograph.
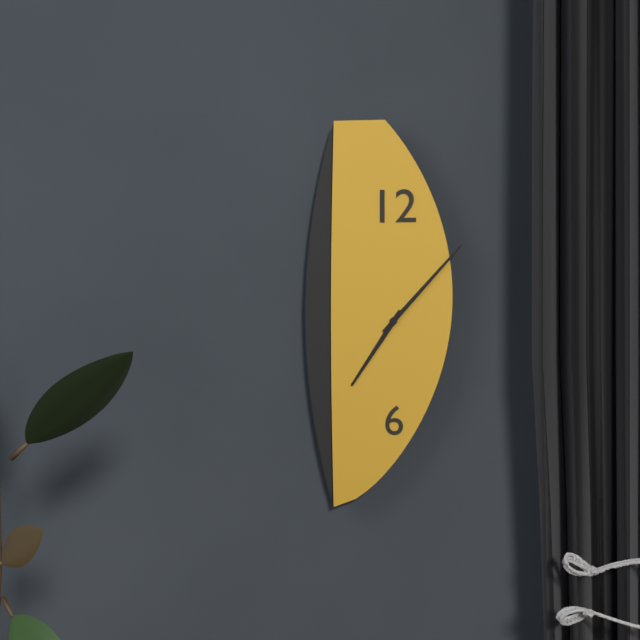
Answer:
{"hour": 7, "minute": 7}
